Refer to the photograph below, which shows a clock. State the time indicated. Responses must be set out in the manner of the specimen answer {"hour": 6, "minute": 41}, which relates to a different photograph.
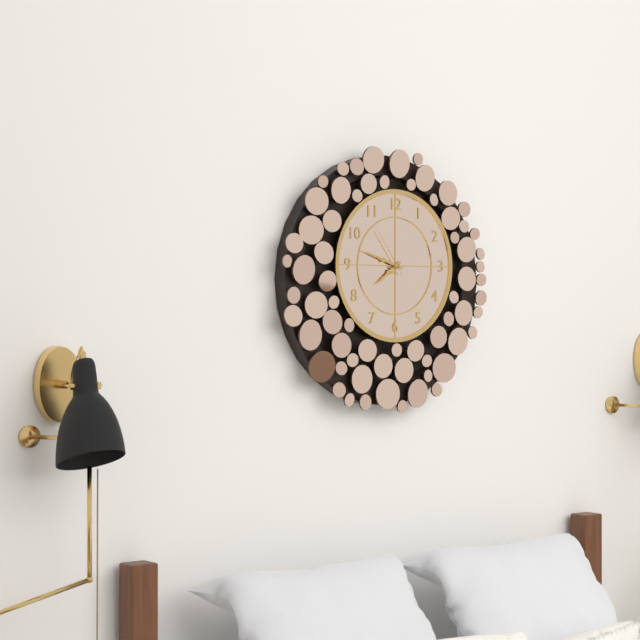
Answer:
{"hour": 7, "minute": 48}
